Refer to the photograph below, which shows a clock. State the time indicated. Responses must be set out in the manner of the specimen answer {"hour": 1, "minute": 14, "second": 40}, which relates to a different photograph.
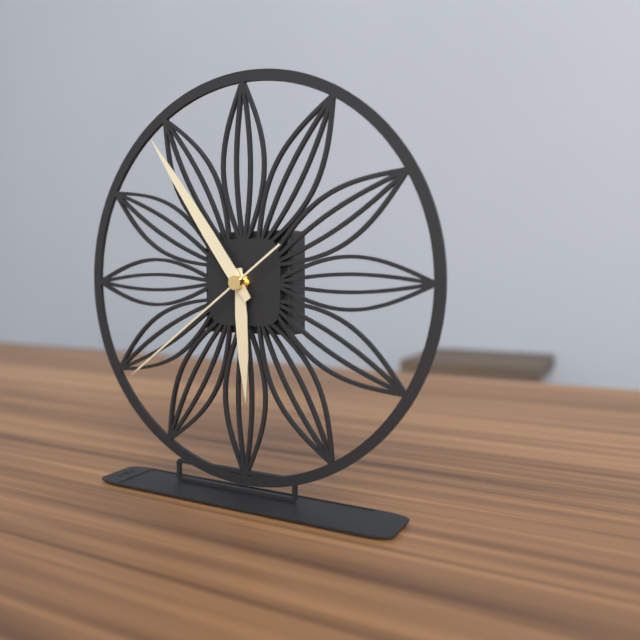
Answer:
{"hour": 5, "minute": 54, "second": 39}
